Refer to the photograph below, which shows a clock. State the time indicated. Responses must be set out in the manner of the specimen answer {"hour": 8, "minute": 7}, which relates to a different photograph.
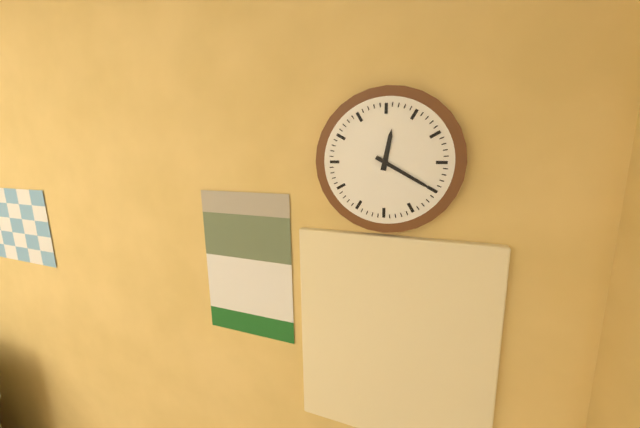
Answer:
{"hour": 12, "minute": 20}
